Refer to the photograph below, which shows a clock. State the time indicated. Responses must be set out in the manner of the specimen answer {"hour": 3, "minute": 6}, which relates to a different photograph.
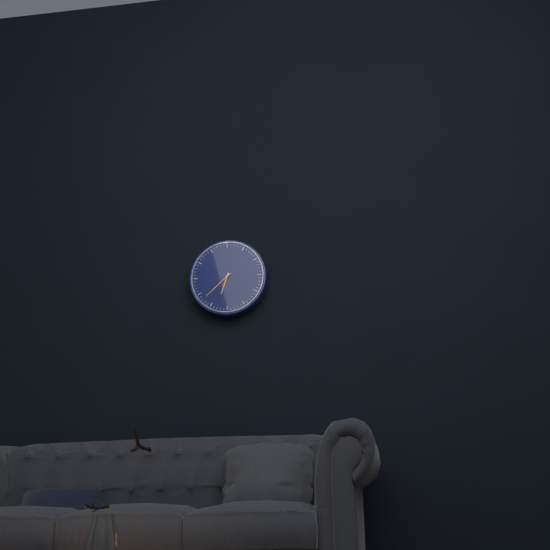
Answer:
{"hour": 6, "minute": 38}
